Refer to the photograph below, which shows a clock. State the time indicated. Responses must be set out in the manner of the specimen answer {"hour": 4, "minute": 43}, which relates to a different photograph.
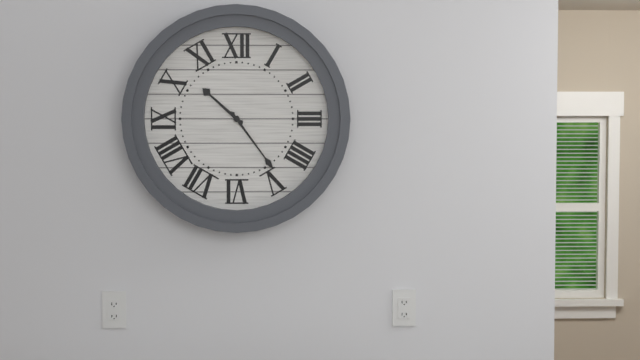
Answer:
{"hour": 10, "minute": 24}
